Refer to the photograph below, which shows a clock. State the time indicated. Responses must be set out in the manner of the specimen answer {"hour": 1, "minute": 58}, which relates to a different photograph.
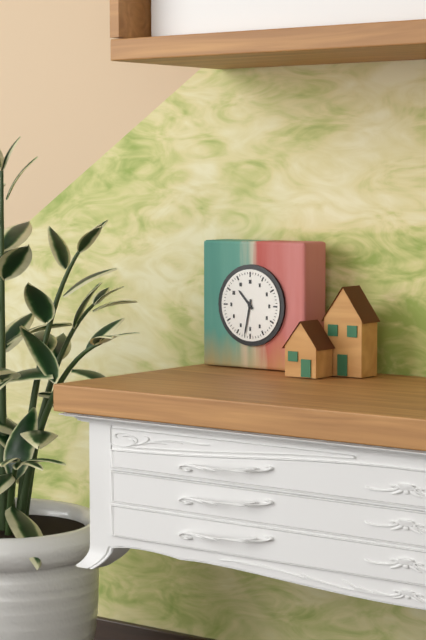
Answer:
{"hour": 10, "minute": 32}
